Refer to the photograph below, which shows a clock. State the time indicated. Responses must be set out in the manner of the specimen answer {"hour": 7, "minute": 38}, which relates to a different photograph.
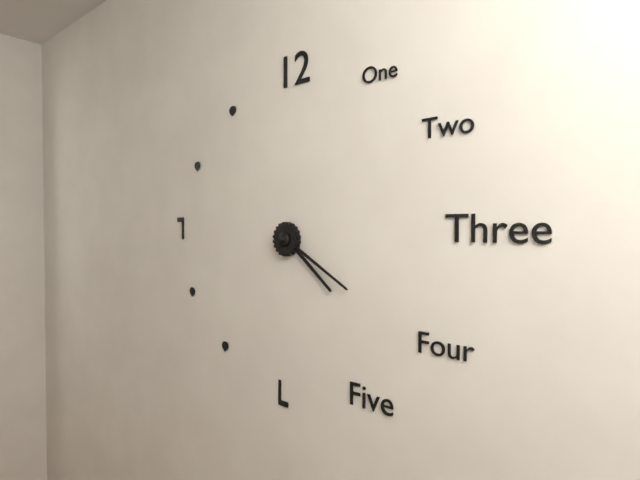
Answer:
{"hour": 4, "minute": 20}
